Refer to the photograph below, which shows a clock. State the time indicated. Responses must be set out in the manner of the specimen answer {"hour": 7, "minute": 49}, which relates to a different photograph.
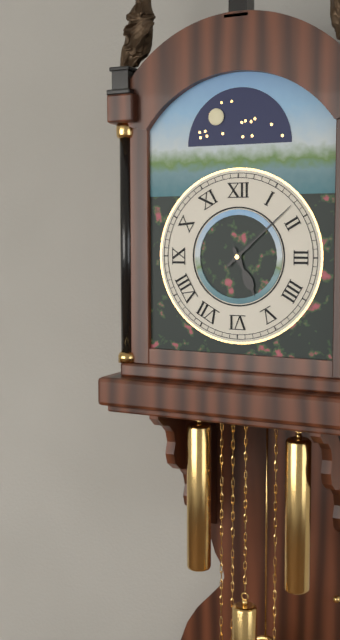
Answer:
{"hour": 5, "minute": 8}
